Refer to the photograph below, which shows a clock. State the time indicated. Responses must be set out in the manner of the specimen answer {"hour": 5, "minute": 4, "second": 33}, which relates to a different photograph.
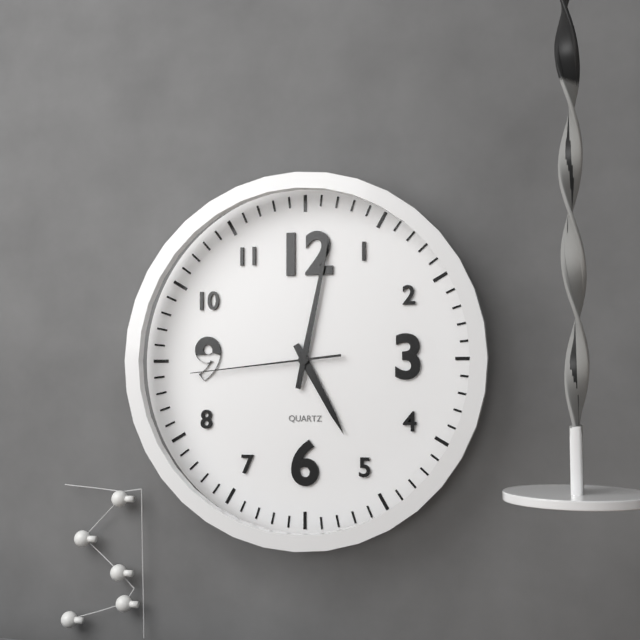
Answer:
{"hour": 5, "minute": 2, "second": 44}
